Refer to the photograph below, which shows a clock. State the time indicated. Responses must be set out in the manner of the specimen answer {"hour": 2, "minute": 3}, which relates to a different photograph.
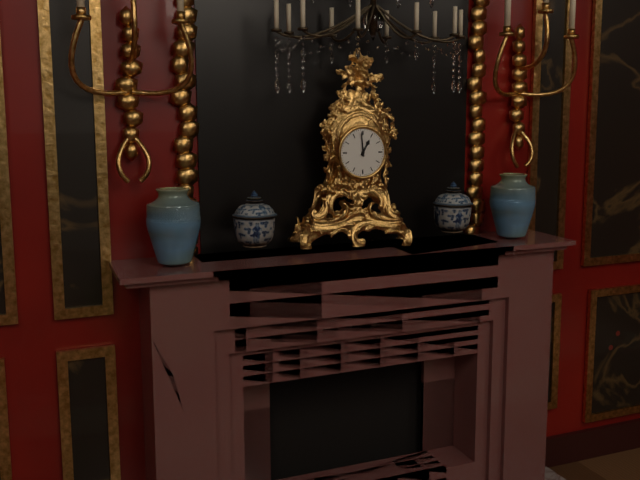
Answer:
{"hour": 12, "minute": 59}
